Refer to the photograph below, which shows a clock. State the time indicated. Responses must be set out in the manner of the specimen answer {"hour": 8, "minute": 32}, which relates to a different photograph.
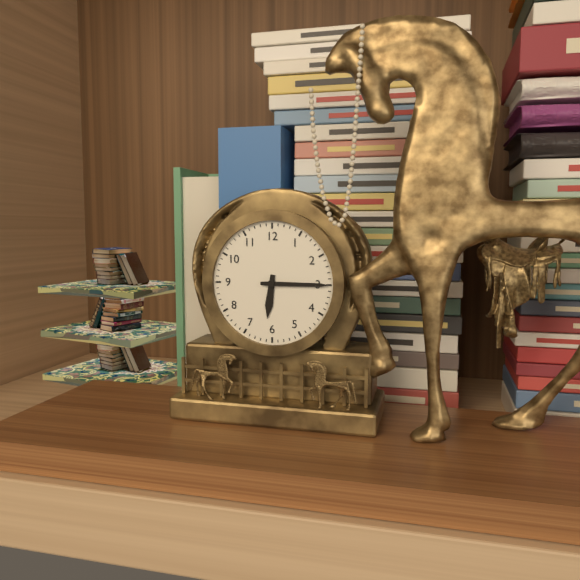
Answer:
{"hour": 6, "minute": 15}
